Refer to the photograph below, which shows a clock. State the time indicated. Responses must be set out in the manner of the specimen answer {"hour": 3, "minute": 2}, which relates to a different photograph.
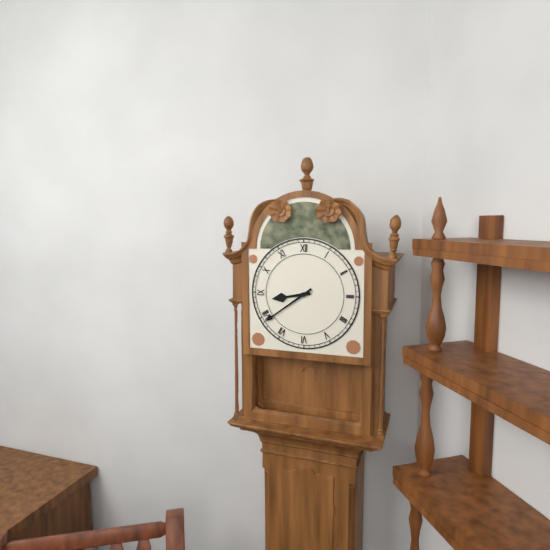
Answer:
{"hour": 8, "minute": 39}
